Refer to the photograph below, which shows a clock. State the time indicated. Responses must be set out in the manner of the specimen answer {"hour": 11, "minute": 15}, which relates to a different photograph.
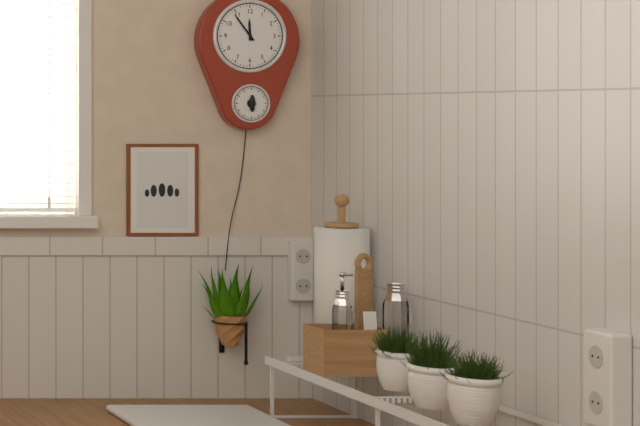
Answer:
{"hour": 11, "minute": 54}
